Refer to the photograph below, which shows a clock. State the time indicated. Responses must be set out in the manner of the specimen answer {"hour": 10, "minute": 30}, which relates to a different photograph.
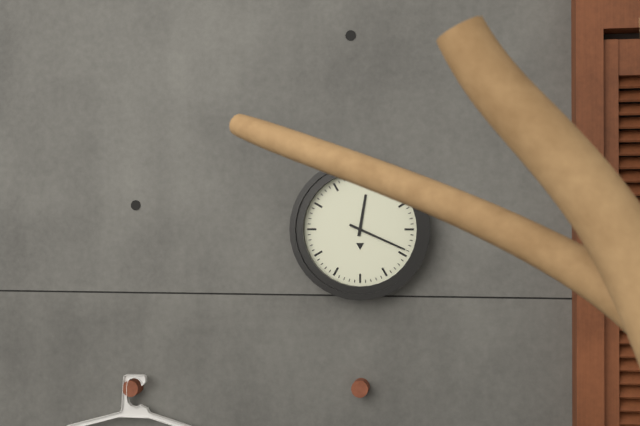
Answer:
{"hour": 12, "minute": 19}
